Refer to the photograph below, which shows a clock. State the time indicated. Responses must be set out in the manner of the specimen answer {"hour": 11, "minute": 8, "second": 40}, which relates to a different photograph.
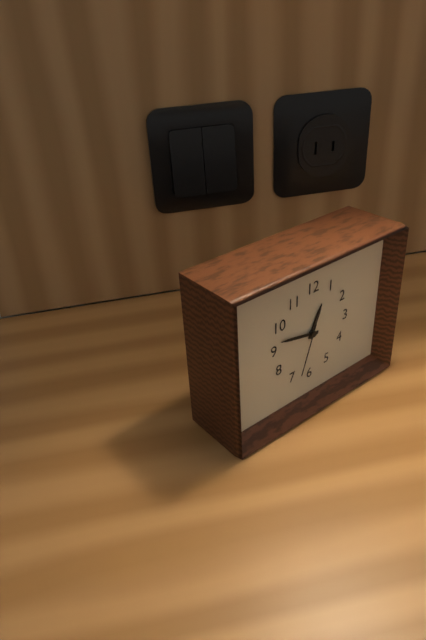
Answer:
{"hour": 12, "minute": 47, "second": 33}
